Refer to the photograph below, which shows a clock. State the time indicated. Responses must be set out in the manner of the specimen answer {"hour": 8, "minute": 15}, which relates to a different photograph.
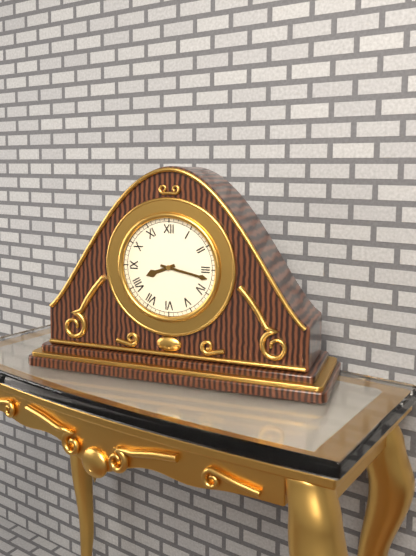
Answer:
{"hour": 8, "minute": 17}
